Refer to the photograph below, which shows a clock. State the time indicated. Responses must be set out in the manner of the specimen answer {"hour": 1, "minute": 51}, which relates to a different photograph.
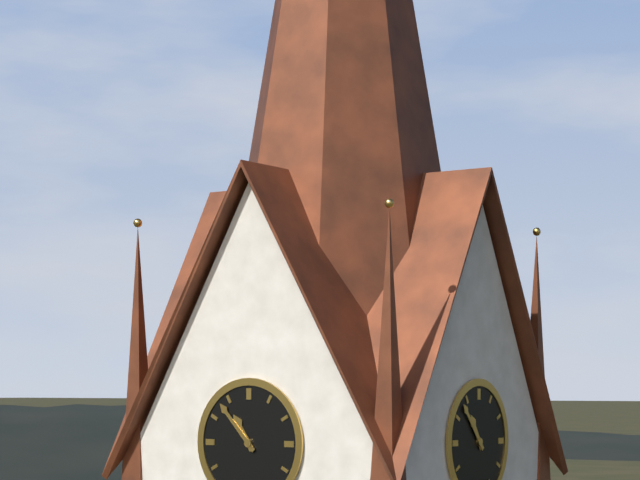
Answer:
{"hour": 10, "minute": 53}
